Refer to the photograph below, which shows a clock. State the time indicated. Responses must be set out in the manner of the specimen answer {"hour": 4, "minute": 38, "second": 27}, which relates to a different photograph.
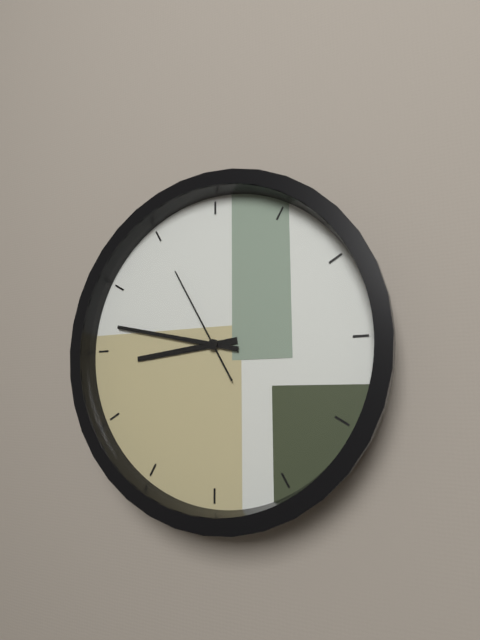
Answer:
{"hour": 8, "minute": 47, "second": 55}
